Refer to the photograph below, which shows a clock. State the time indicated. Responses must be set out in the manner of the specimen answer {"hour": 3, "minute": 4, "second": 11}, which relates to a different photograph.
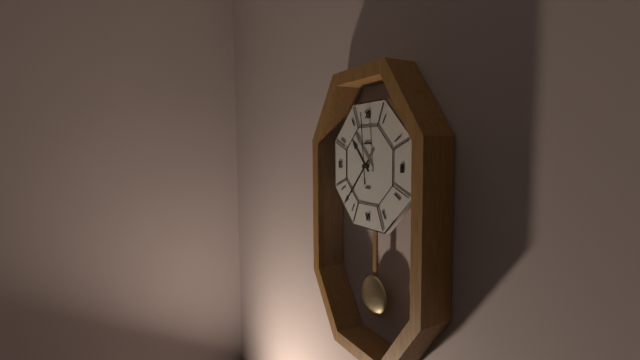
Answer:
{"hour": 10, "minute": 37, "second": 59}
